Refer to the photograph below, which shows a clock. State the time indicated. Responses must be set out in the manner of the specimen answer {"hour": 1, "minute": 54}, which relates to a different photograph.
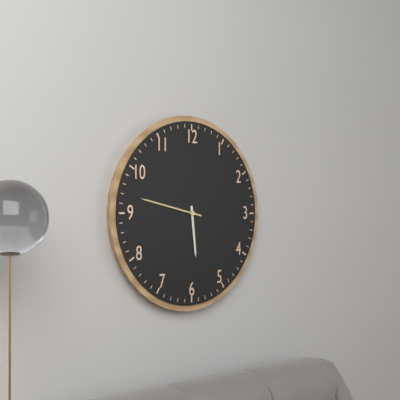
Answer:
{"hour": 5, "minute": 47}
